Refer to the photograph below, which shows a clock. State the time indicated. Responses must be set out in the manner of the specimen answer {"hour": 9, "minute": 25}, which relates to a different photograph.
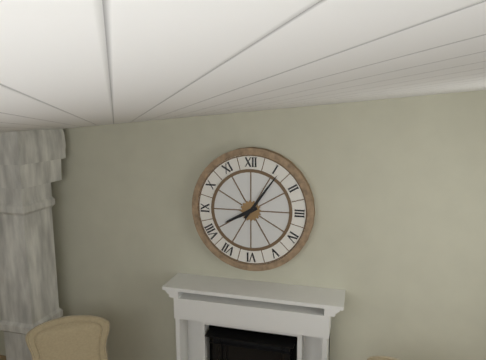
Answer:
{"hour": 8, "minute": 6}
